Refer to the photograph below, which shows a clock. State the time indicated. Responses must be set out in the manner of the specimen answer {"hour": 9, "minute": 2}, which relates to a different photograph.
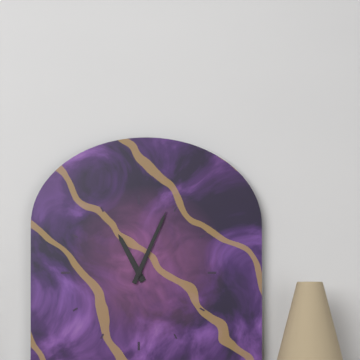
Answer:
{"hour": 11, "minute": 4}
